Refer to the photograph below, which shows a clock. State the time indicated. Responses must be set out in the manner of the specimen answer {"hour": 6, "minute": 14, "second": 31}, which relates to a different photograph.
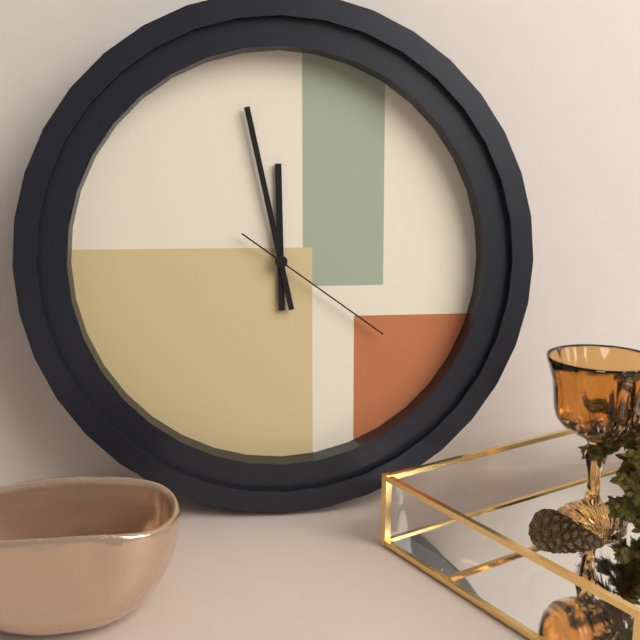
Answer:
{"hour": 11, "minute": 58, "second": 21}
